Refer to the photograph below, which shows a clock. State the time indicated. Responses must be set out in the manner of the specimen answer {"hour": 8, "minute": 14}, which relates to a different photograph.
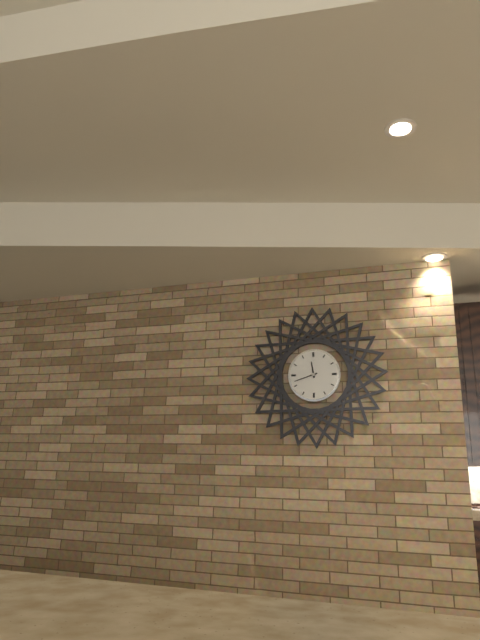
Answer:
{"hour": 11, "minute": 42}
